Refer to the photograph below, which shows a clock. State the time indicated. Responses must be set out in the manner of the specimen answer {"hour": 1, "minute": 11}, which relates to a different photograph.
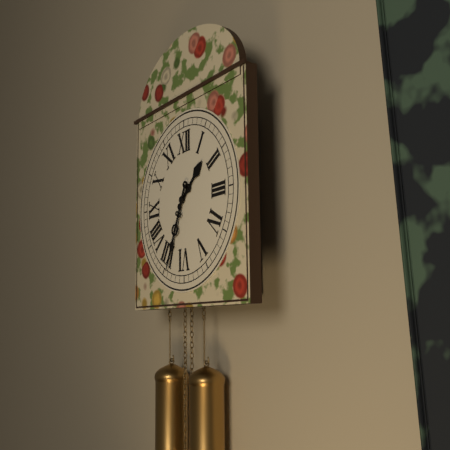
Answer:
{"hour": 1, "minute": 34}
